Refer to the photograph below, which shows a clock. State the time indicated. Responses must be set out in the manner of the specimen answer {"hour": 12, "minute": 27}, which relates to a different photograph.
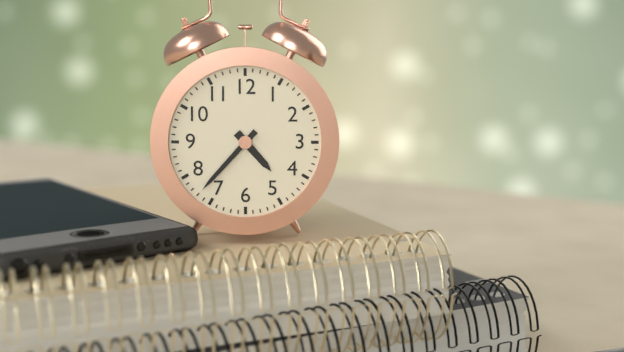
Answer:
{"hour": 4, "minute": 37}
